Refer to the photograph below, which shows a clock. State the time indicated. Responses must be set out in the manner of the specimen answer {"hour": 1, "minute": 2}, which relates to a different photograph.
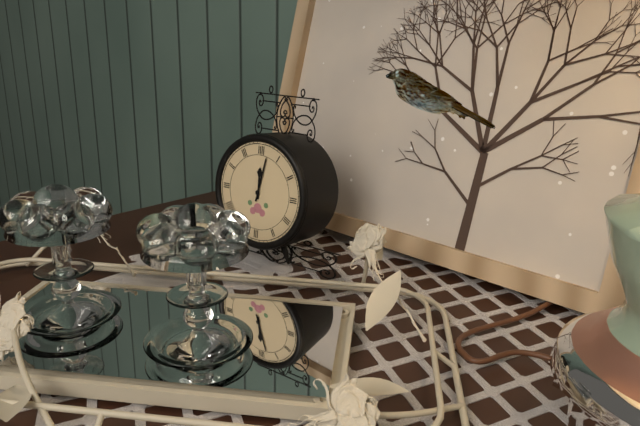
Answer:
{"hour": 12, "minute": 2}
